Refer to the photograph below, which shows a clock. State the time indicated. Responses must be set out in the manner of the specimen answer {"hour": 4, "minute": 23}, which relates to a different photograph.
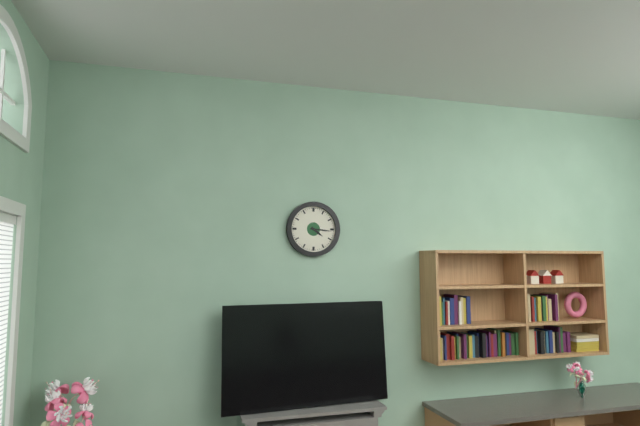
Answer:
{"hour": 4, "minute": 16}
